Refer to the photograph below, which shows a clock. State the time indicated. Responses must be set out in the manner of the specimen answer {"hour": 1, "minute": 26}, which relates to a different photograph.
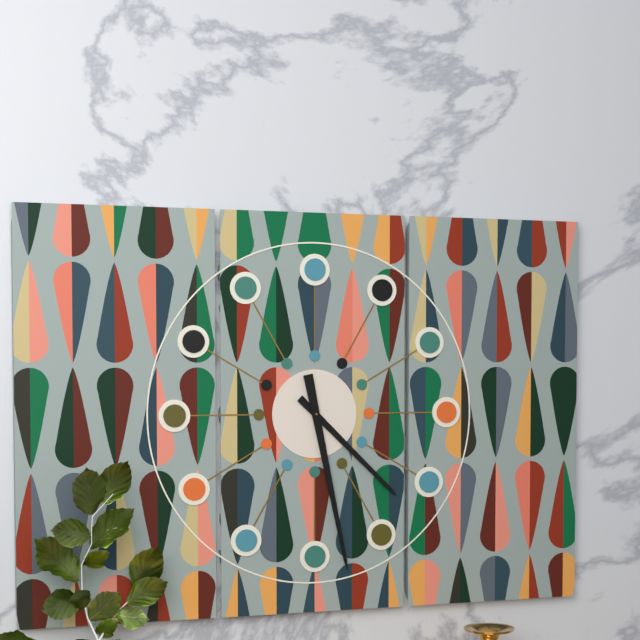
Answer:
{"hour": 4, "minute": 28}
